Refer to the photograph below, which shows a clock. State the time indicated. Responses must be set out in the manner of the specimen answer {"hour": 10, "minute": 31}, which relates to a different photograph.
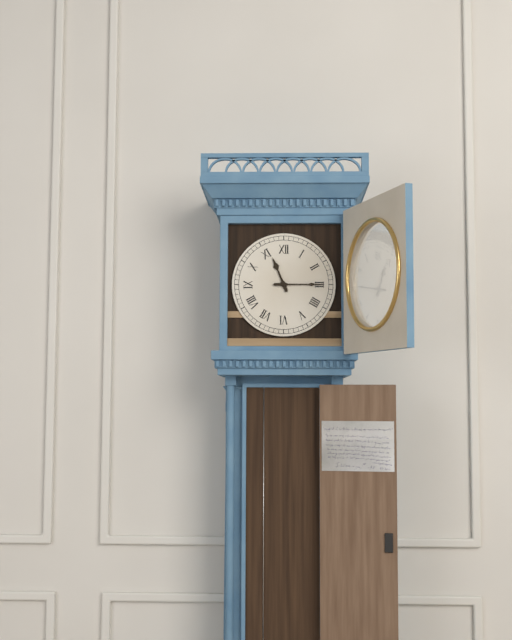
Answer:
{"hour": 11, "minute": 15}
